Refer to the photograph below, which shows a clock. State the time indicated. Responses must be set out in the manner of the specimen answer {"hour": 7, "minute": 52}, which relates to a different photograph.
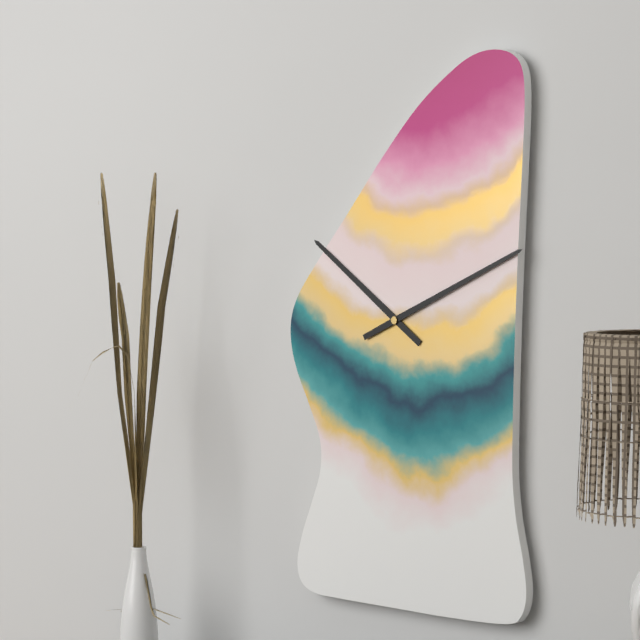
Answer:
{"hour": 10, "minute": 11}
